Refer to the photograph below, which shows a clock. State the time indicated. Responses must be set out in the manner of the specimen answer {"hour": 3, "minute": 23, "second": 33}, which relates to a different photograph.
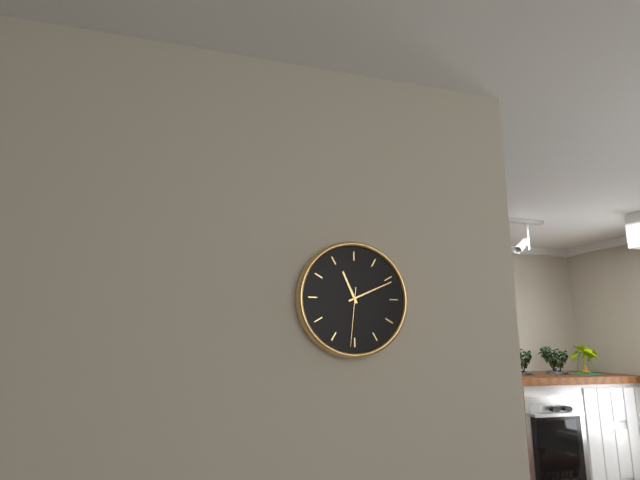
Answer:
{"hour": 11, "minute": 11, "second": 31}
